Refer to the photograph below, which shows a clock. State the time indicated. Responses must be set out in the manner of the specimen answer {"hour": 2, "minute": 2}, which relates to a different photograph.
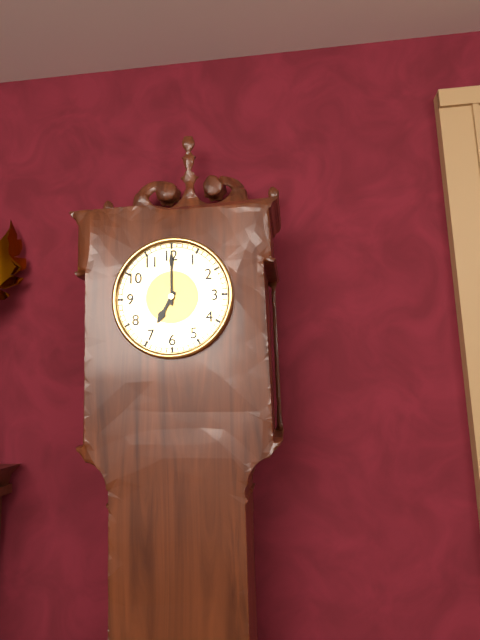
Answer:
{"hour": 7, "minute": 0}
